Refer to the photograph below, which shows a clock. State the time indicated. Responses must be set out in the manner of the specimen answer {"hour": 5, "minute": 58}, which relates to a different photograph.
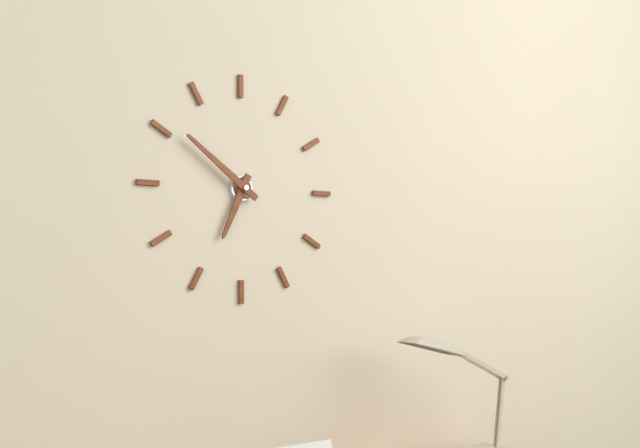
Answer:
{"hour": 6, "minute": 51}
